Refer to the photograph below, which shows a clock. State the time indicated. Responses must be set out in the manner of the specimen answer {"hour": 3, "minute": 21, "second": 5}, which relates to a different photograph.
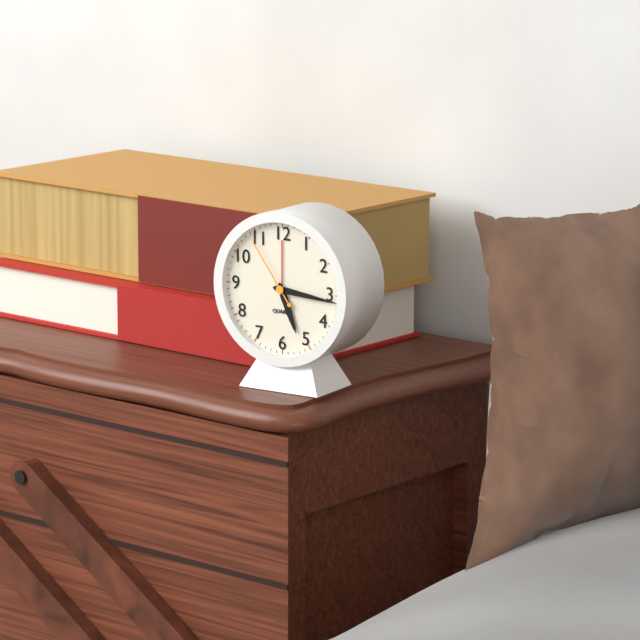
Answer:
{"hour": 5, "minute": 16, "second": 54}
